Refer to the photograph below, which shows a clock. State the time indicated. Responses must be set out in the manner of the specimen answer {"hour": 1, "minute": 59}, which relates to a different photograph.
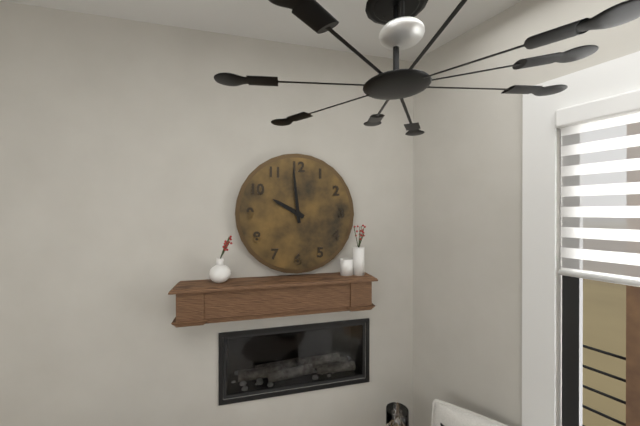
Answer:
{"hour": 9, "minute": 59}
